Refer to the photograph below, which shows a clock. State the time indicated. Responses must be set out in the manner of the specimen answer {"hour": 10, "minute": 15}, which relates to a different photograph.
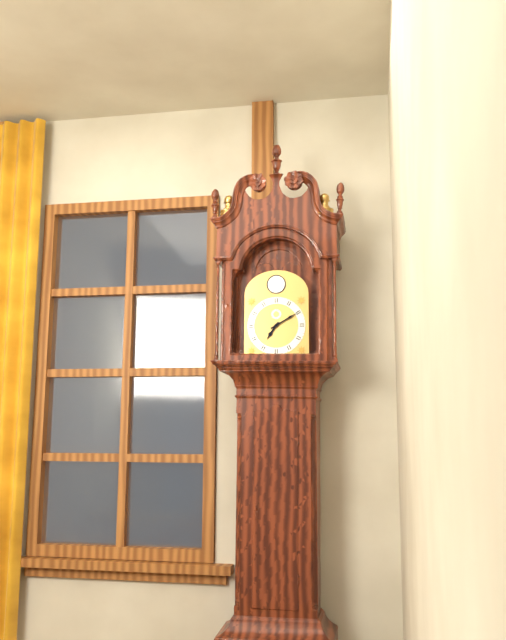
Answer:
{"hour": 7, "minute": 10}
